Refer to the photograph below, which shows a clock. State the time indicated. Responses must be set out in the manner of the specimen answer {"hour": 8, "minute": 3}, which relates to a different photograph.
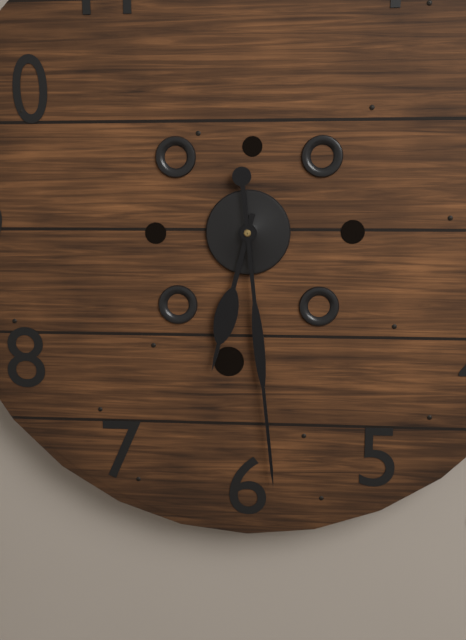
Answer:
{"hour": 6, "minute": 29}
